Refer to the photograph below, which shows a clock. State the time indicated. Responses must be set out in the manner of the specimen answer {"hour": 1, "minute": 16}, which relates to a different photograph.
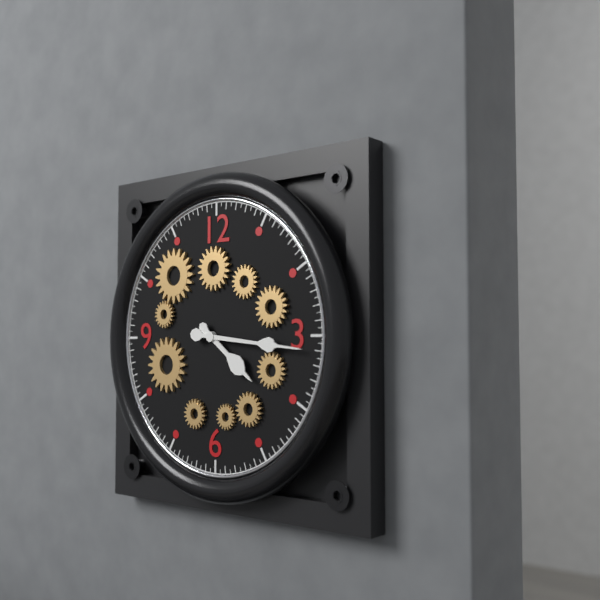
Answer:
{"hour": 4, "minute": 16}
